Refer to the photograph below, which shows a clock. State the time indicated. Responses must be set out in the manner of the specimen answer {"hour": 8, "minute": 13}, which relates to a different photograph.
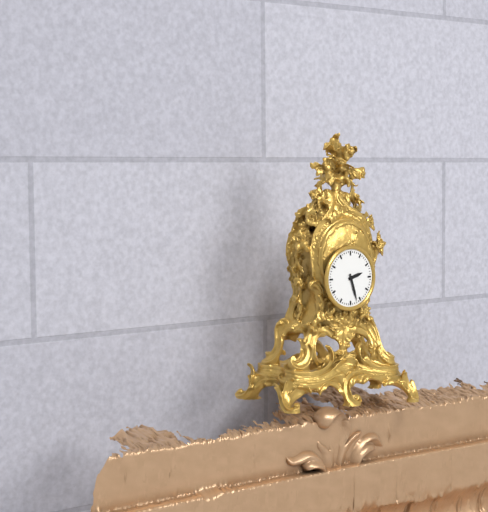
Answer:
{"hour": 2, "minute": 27}
